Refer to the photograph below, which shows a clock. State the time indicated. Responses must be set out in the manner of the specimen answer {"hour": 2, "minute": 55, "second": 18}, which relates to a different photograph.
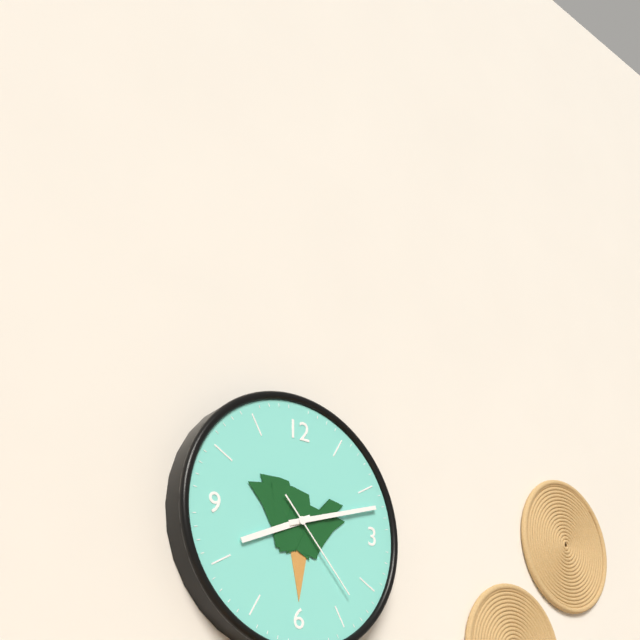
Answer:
{"hour": 8, "minute": 12, "second": 23}
